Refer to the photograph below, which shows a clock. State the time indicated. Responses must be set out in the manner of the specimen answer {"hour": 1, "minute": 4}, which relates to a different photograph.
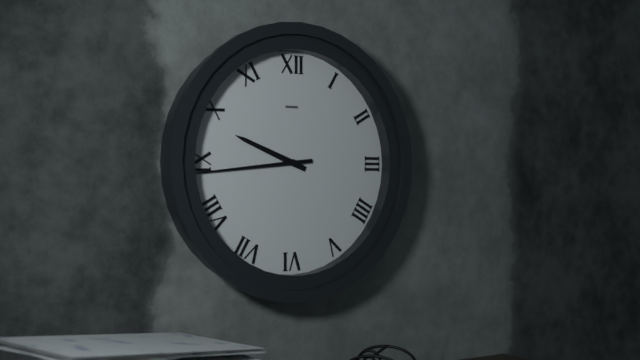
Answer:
{"hour": 9, "minute": 44}
